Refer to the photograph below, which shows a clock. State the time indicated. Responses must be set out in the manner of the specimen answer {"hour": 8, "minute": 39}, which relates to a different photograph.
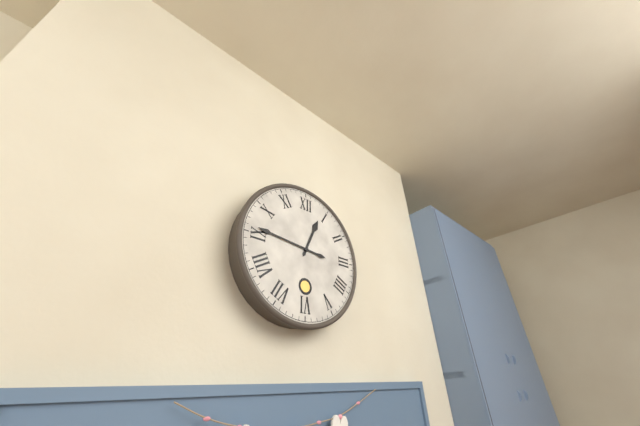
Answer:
{"hour": 12, "minute": 46}
